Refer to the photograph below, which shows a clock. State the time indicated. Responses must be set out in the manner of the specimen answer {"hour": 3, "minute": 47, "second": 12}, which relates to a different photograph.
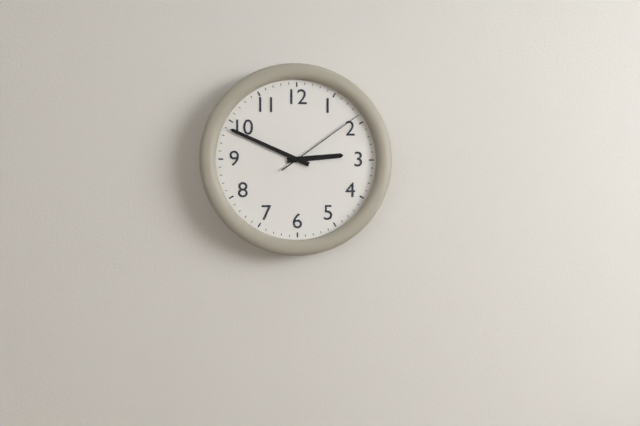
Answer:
{"hour": 2, "minute": 49, "second": 9}
